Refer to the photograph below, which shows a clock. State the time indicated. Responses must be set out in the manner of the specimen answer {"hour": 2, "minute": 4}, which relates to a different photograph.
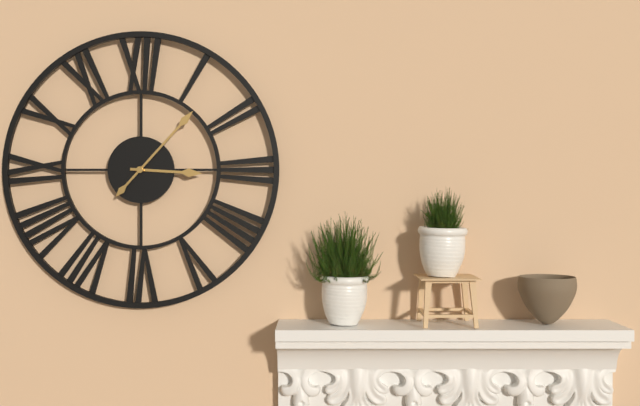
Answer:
{"hour": 3, "minute": 7}
